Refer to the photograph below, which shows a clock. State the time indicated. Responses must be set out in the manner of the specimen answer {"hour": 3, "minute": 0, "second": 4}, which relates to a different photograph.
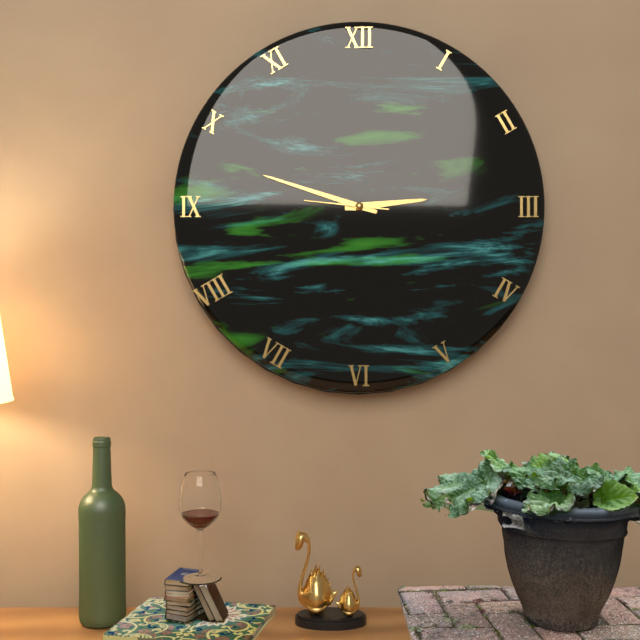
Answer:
{"hour": 2, "minute": 48, "second": 46}
